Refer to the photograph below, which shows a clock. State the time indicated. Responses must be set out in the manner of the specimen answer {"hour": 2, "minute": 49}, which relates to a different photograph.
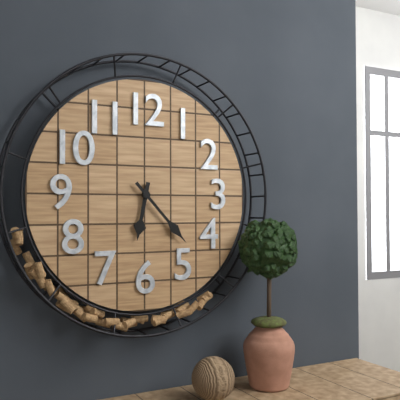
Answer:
{"hour": 6, "minute": 23}
